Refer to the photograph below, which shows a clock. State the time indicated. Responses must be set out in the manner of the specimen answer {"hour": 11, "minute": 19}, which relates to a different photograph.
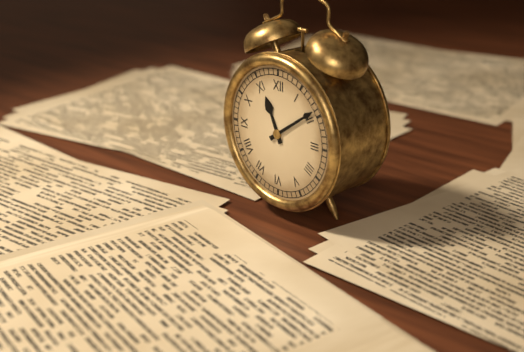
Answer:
{"hour": 11, "minute": 9}
